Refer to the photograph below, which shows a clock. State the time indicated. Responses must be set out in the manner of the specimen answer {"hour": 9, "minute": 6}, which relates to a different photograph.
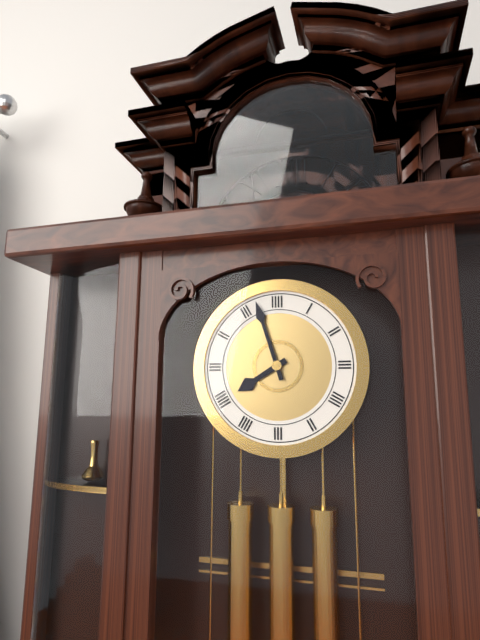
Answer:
{"hour": 7, "minute": 57}
